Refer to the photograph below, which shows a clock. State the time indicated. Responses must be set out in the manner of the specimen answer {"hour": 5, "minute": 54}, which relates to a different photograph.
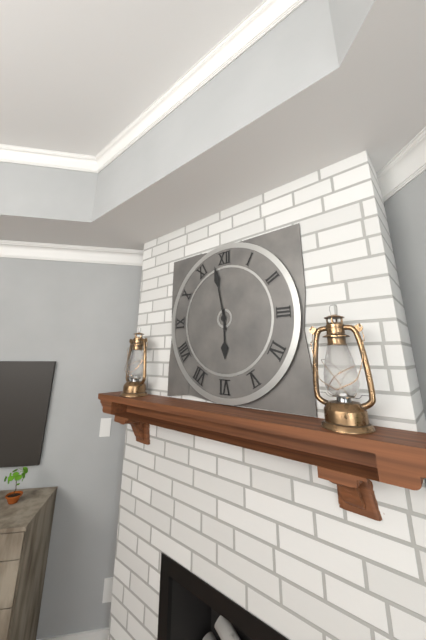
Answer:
{"hour": 5, "minute": 58}
